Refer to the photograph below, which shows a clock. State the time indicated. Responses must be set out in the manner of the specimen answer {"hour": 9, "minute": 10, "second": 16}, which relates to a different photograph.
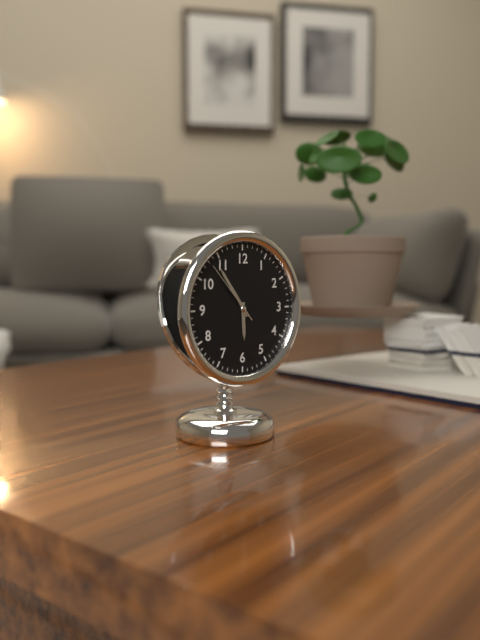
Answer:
{"hour": 5, "minute": 54, "second": 53}
